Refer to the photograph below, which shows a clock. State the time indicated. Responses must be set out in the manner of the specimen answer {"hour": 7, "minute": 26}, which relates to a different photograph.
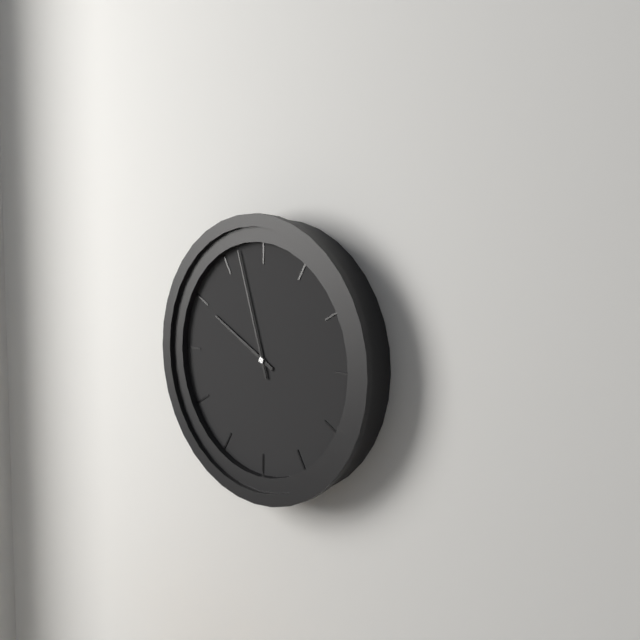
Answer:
{"hour": 9, "minute": 57}
